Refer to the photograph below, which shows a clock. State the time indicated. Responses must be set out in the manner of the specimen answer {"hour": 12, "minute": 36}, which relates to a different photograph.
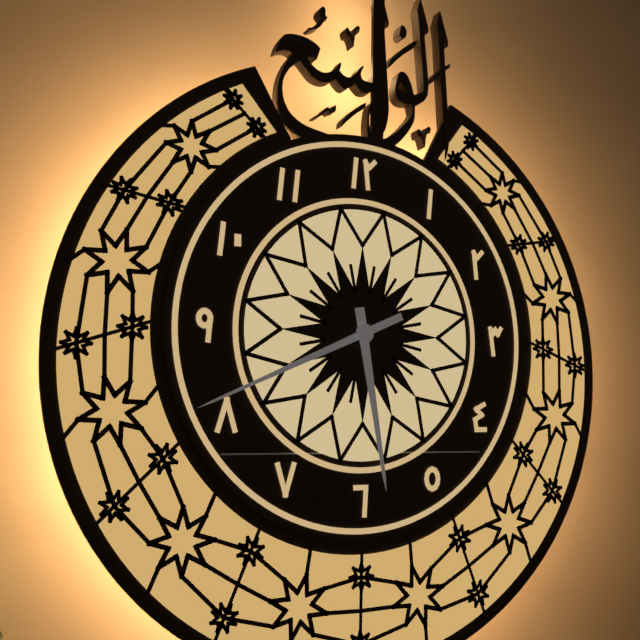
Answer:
{"hour": 5, "minute": 41}
